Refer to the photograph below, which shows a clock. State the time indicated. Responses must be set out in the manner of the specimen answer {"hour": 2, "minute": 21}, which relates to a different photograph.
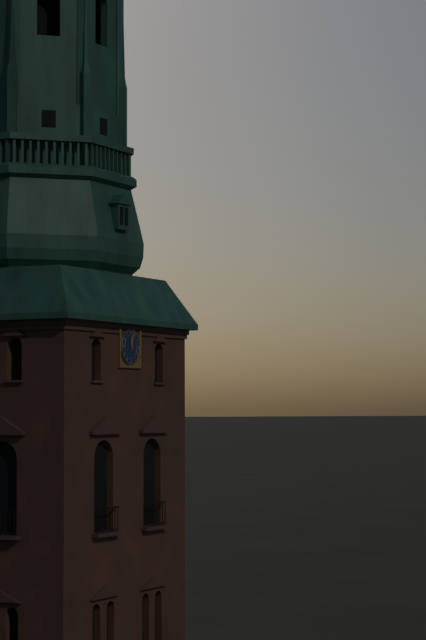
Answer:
{"hour": 12, "minute": 2}
